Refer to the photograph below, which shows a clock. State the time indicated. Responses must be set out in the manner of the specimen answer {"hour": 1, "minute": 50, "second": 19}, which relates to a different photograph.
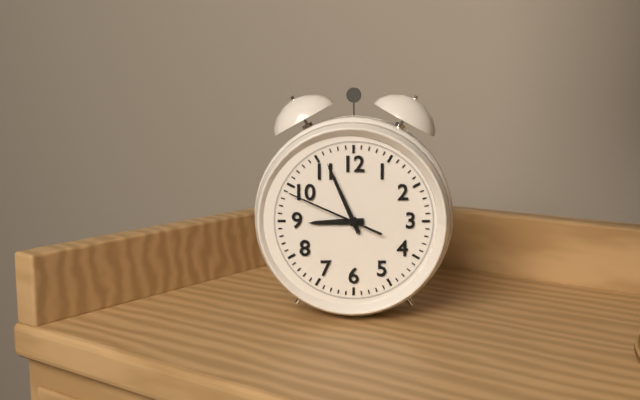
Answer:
{"hour": 8, "minute": 56, "second": 49}
